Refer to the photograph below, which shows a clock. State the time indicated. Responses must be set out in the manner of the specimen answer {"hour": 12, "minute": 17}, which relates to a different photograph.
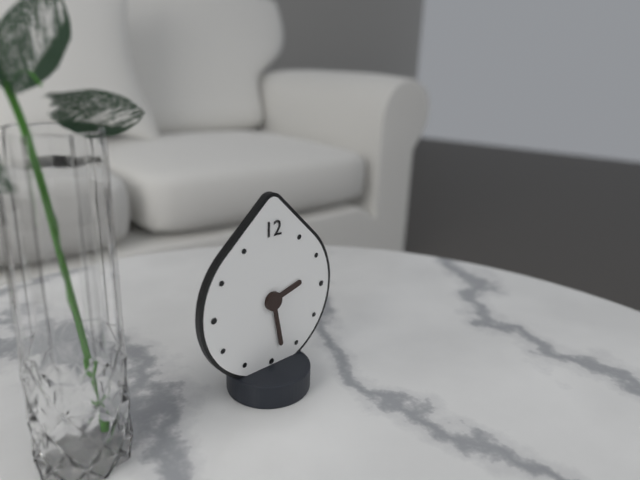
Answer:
{"hour": 2, "minute": 28}
